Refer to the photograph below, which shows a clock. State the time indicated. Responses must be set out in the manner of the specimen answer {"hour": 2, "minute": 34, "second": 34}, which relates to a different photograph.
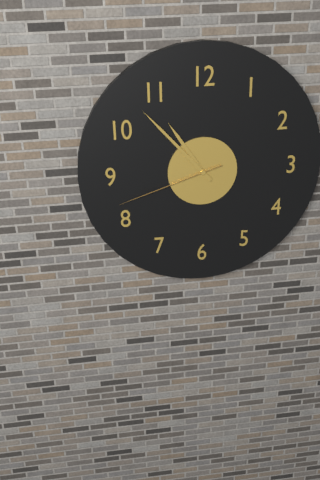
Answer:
{"hour": 10, "minute": 53, "second": 42}
